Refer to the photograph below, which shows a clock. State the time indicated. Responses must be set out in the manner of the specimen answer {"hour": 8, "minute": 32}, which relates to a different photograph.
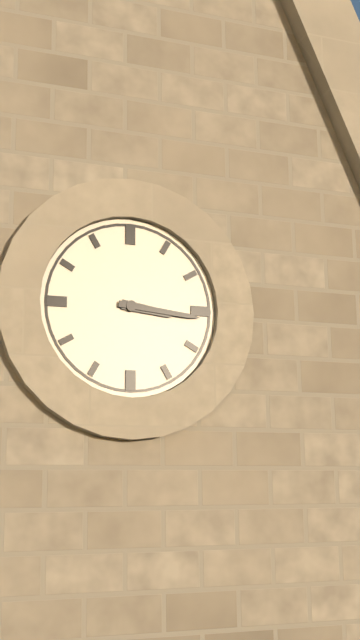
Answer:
{"hour": 3, "minute": 16}
